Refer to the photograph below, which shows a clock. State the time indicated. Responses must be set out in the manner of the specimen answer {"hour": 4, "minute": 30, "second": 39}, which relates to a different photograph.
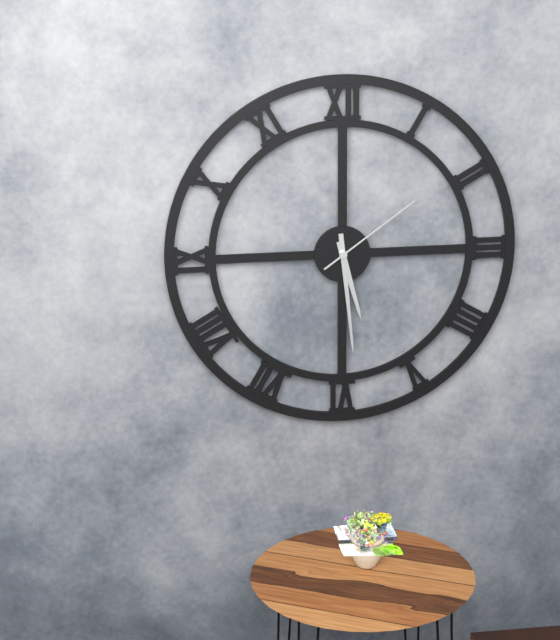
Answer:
{"hour": 5, "minute": 29, "second": 9}
